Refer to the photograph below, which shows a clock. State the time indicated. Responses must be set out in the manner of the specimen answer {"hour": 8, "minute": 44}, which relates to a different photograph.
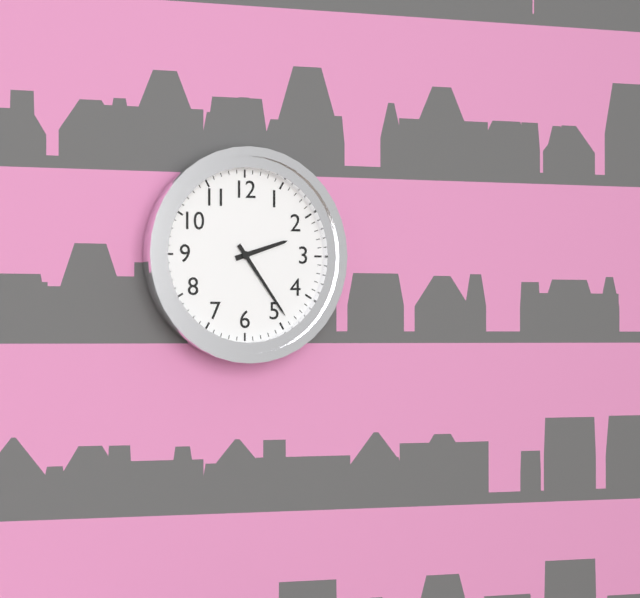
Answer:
{"hour": 2, "minute": 24}
